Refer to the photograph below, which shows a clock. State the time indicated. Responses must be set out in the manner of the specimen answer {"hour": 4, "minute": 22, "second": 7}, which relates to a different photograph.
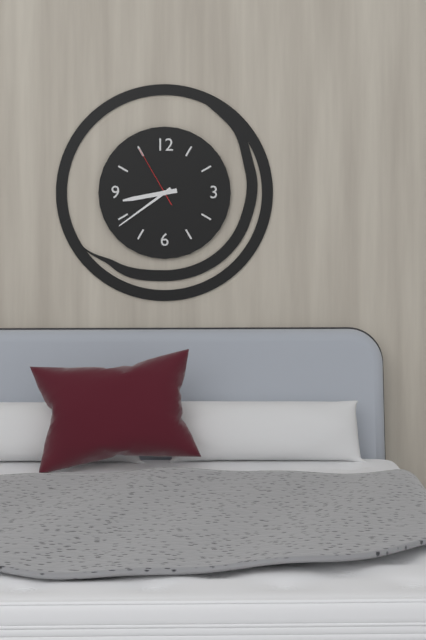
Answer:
{"hour": 8, "minute": 39, "second": 55}
